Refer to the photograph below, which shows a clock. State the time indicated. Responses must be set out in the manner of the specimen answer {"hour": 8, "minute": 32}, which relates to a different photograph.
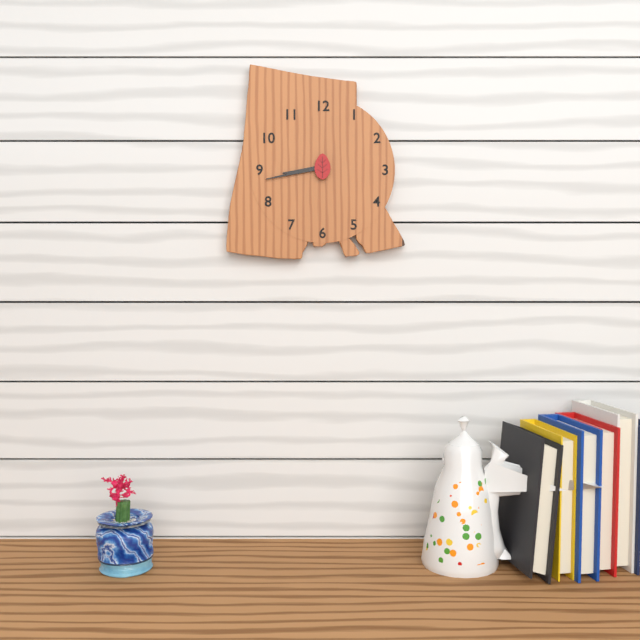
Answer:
{"hour": 8, "minute": 43}
